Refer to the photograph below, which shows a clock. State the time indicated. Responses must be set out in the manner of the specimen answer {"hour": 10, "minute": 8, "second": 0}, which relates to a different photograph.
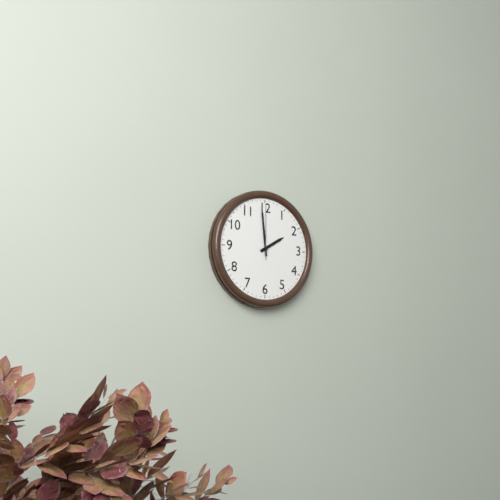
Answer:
{"hour": 1, "minute": 59, "second": 0}
